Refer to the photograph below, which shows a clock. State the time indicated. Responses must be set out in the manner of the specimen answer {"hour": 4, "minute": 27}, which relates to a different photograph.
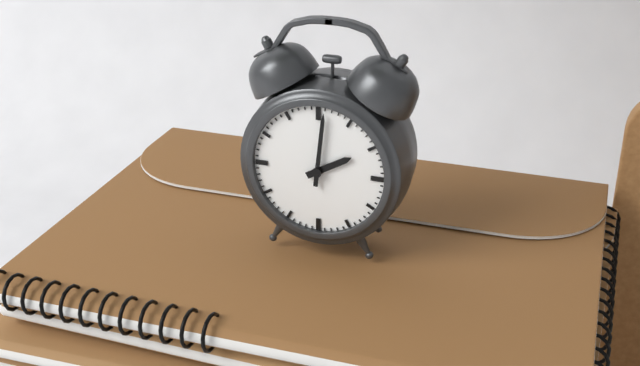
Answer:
{"hour": 2, "minute": 1}
